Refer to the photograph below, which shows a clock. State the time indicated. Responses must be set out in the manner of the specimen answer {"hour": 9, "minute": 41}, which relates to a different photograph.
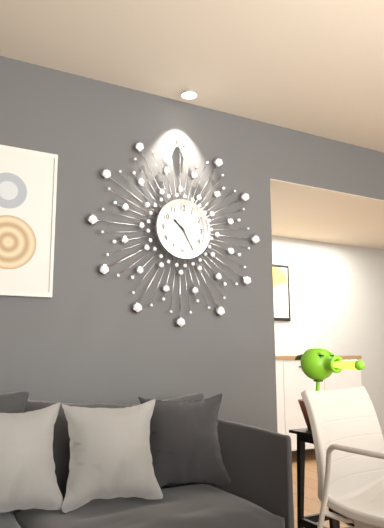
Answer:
{"hour": 10, "minute": 25}
